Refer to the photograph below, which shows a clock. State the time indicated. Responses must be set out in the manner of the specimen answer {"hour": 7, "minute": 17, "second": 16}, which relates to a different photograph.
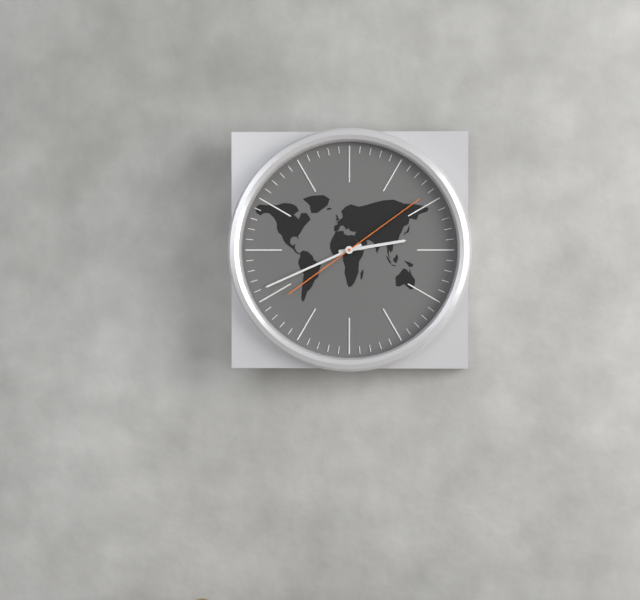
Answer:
{"hour": 2, "minute": 41, "second": 9}
